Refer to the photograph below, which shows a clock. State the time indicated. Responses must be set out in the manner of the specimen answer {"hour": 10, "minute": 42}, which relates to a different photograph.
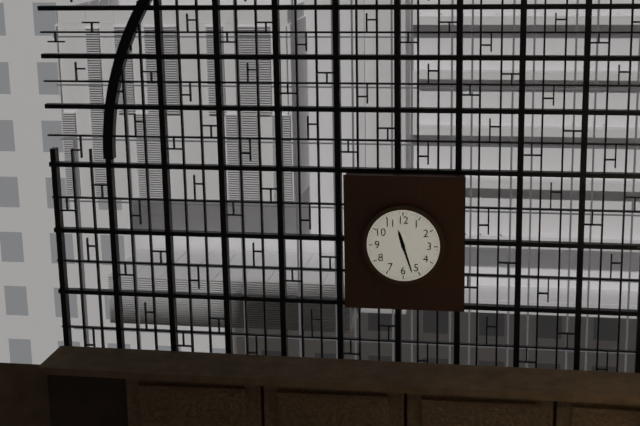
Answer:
{"hour": 11, "minute": 27}
